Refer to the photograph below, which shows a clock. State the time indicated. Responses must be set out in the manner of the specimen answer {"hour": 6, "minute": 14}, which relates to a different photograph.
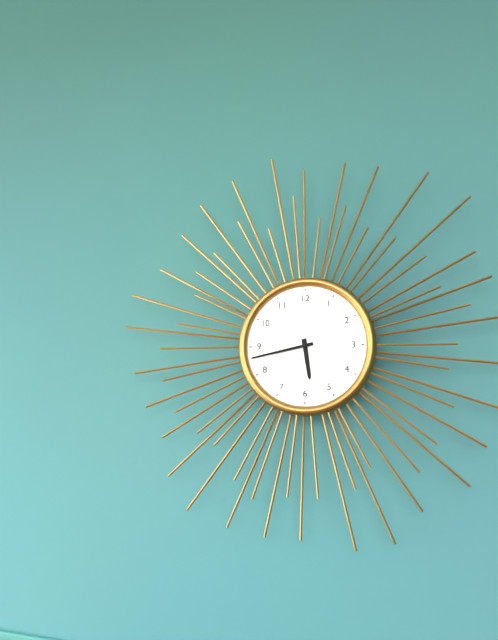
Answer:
{"hour": 5, "minute": 43}
